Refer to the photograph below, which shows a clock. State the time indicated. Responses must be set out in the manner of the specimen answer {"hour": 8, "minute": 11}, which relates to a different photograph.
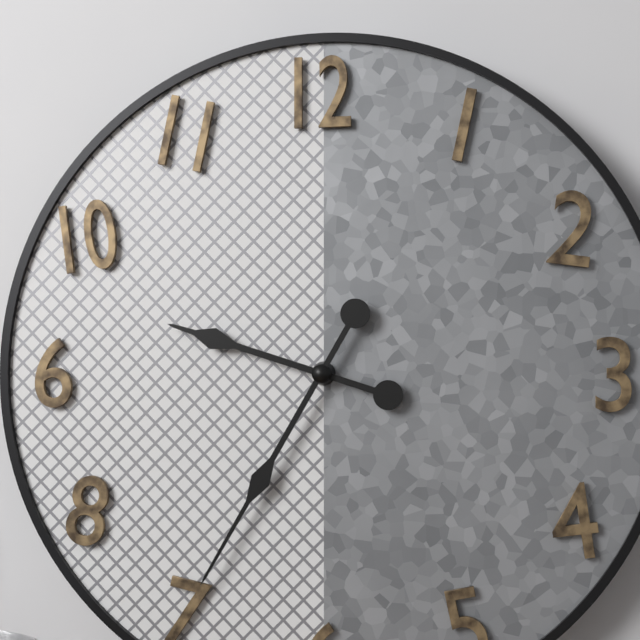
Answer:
{"hour": 9, "minute": 35}
